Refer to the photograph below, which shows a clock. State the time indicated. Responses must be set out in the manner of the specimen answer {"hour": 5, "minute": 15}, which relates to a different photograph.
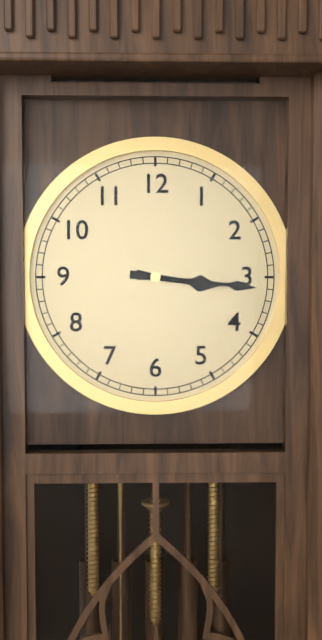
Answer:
{"hour": 3, "minute": 16}
